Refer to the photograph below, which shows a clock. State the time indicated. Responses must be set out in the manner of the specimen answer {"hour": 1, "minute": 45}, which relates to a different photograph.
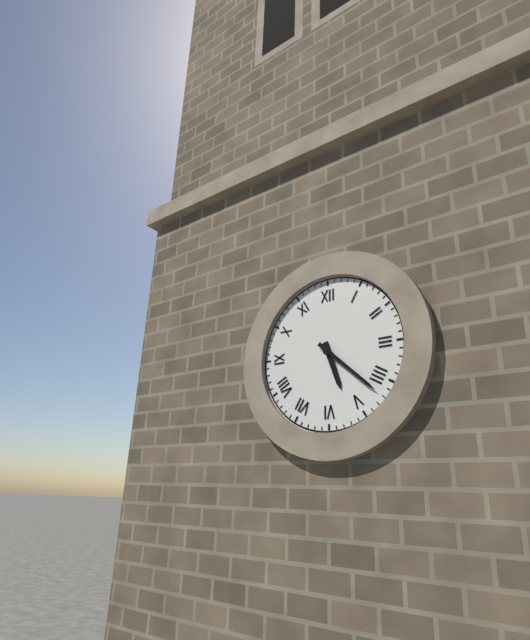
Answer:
{"hour": 5, "minute": 22}
